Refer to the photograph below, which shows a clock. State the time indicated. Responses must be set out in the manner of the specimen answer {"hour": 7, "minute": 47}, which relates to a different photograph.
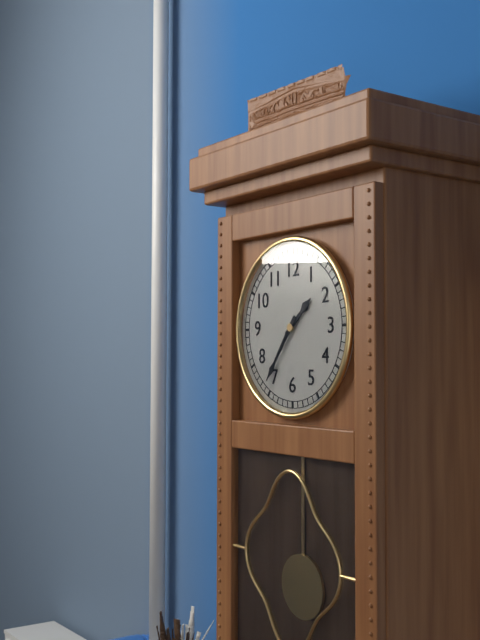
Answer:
{"hour": 1, "minute": 36}
